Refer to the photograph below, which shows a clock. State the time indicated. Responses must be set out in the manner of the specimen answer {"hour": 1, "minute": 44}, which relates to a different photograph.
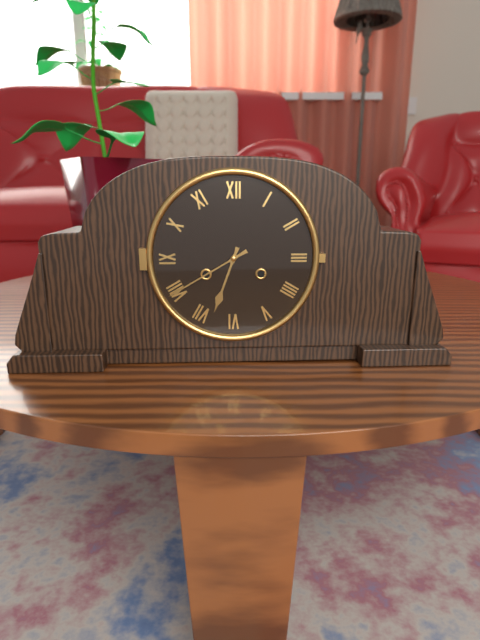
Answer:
{"hour": 6, "minute": 40}
